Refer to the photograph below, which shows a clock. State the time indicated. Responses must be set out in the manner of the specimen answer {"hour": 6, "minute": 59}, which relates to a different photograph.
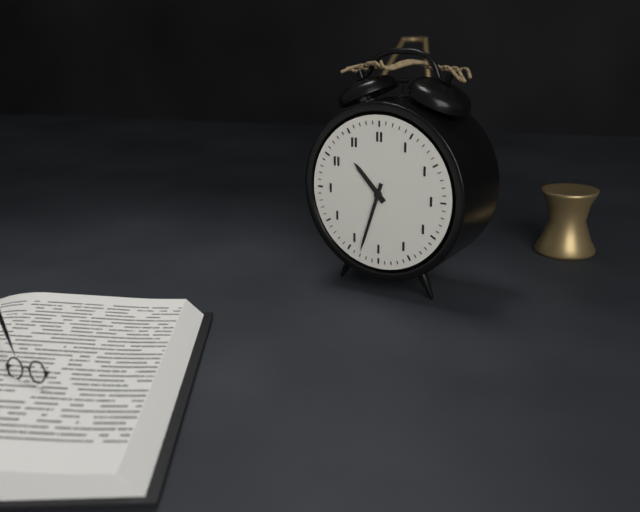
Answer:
{"hour": 10, "minute": 33}
